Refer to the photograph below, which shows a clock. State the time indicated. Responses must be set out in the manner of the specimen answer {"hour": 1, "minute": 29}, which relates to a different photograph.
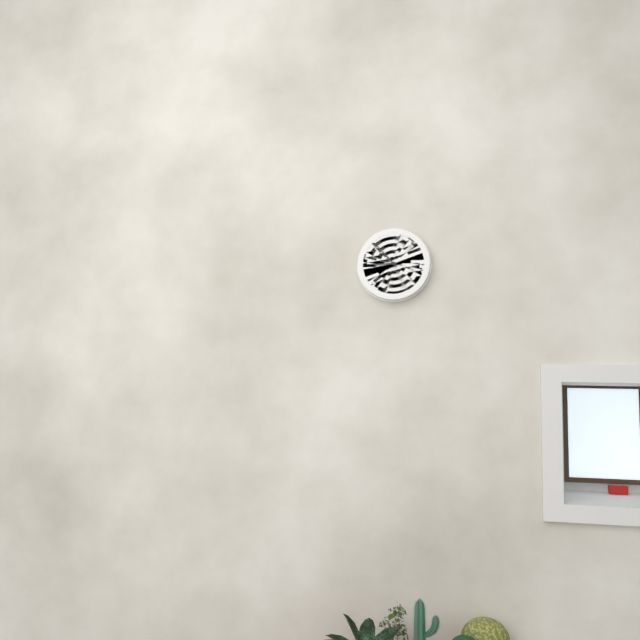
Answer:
{"hour": 8, "minute": 53}
